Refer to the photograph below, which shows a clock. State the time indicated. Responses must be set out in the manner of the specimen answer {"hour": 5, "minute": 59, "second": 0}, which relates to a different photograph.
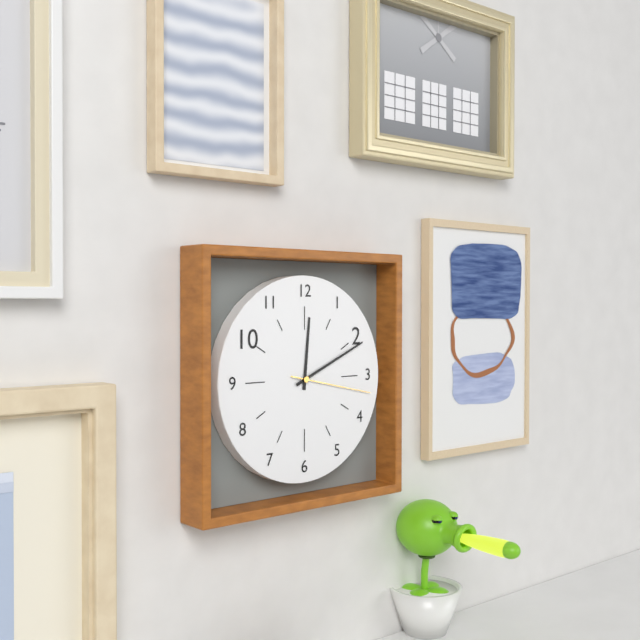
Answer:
{"hour": 12, "minute": 11, "second": 17}
